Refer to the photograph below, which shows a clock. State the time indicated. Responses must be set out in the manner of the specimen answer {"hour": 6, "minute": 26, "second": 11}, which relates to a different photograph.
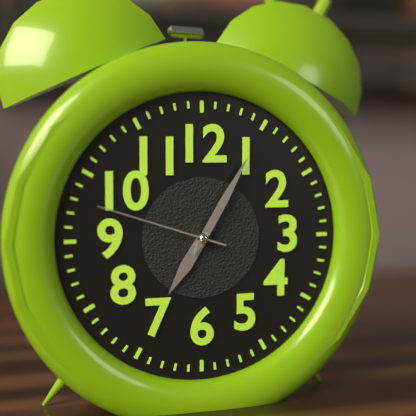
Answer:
{"hour": 7, "minute": 5, "second": 48}
